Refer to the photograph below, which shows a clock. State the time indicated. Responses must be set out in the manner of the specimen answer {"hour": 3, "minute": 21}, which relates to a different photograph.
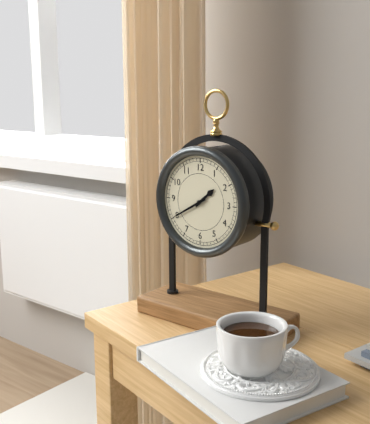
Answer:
{"hour": 1, "minute": 40}
